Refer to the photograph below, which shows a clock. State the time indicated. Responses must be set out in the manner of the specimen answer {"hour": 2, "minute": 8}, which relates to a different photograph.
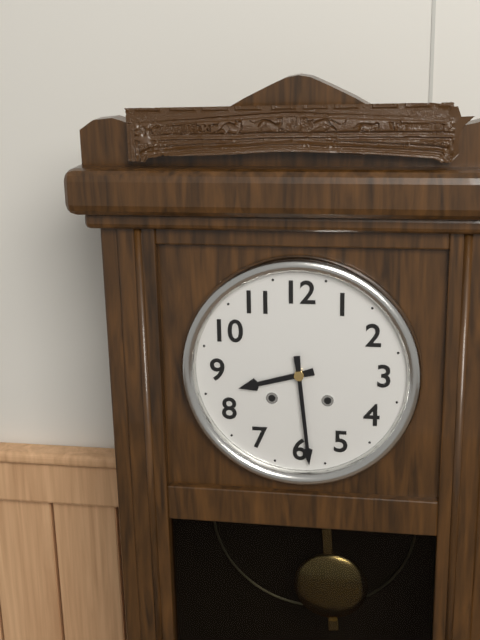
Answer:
{"hour": 8, "minute": 29}
